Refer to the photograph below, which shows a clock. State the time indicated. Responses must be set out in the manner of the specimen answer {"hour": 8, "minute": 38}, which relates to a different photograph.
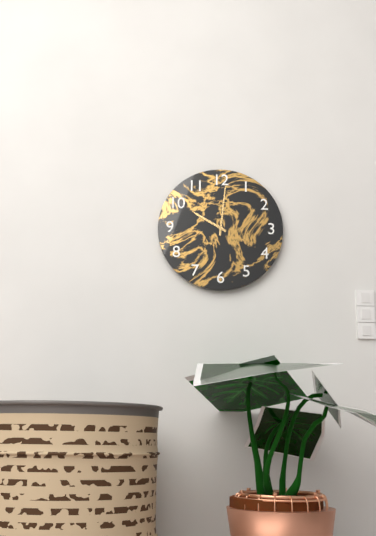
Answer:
{"hour": 10, "minute": 1}
